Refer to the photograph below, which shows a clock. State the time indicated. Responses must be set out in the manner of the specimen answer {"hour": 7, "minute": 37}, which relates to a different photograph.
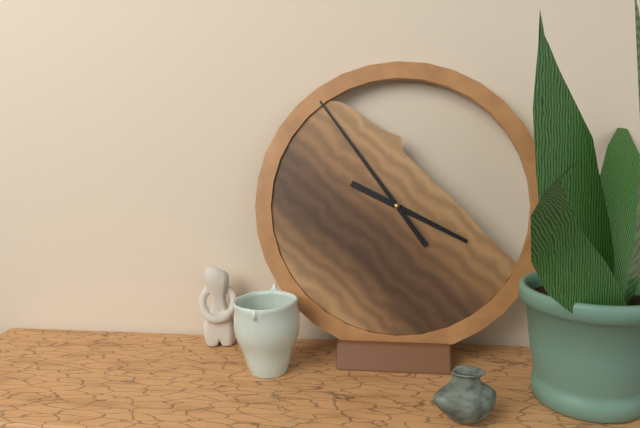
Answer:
{"hour": 3, "minute": 54}
